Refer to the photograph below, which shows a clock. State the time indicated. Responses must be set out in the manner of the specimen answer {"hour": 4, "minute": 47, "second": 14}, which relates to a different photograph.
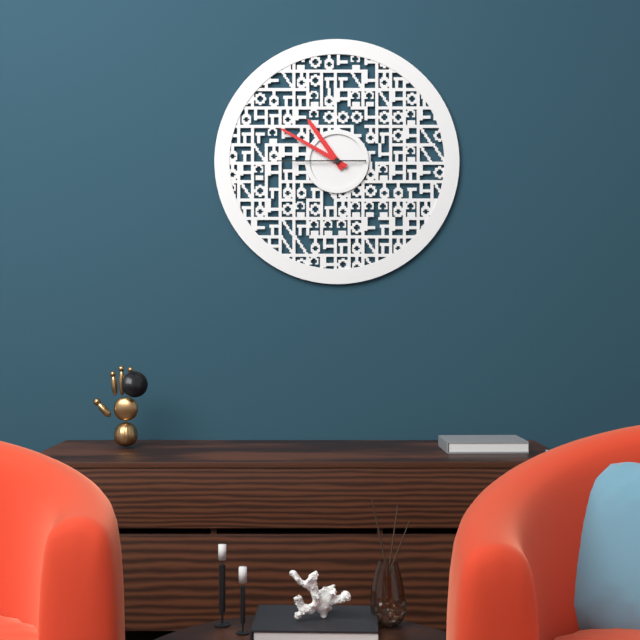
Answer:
{"hour": 10, "minute": 50, "second": 45}
